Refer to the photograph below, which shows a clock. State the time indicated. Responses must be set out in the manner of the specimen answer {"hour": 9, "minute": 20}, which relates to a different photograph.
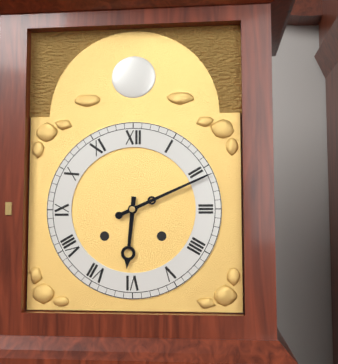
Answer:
{"hour": 6, "minute": 11}
